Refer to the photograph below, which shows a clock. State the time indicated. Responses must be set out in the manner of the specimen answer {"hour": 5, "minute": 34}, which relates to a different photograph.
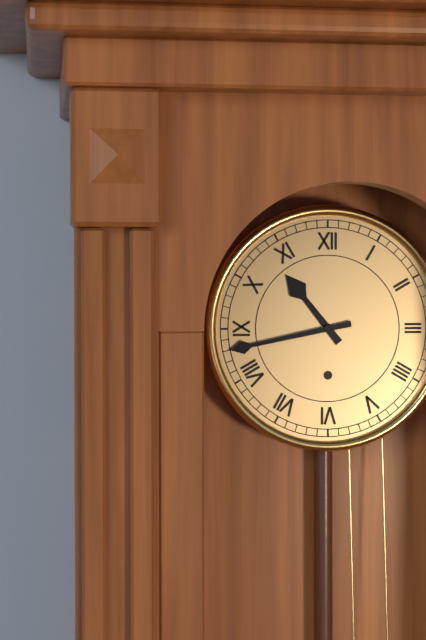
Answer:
{"hour": 10, "minute": 43}
